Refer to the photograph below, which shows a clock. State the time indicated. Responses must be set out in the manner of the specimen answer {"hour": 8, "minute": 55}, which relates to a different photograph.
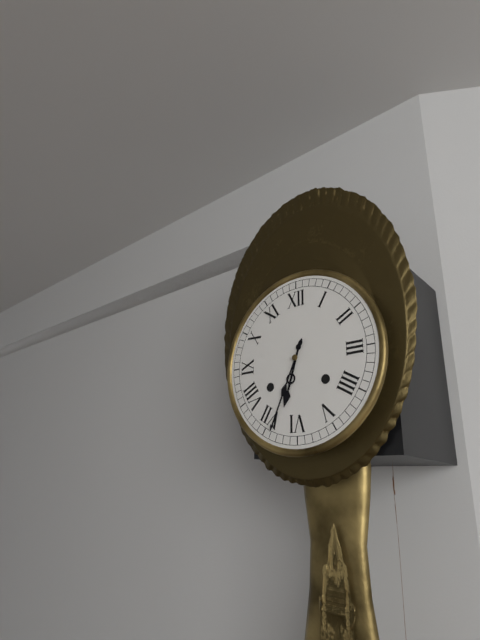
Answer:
{"hour": 6, "minute": 34}
